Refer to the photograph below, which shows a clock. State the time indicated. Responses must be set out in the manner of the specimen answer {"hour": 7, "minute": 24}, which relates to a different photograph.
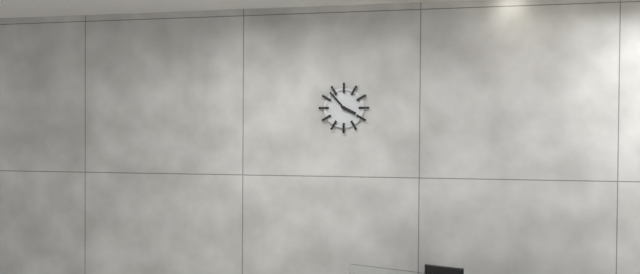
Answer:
{"hour": 3, "minute": 53}
